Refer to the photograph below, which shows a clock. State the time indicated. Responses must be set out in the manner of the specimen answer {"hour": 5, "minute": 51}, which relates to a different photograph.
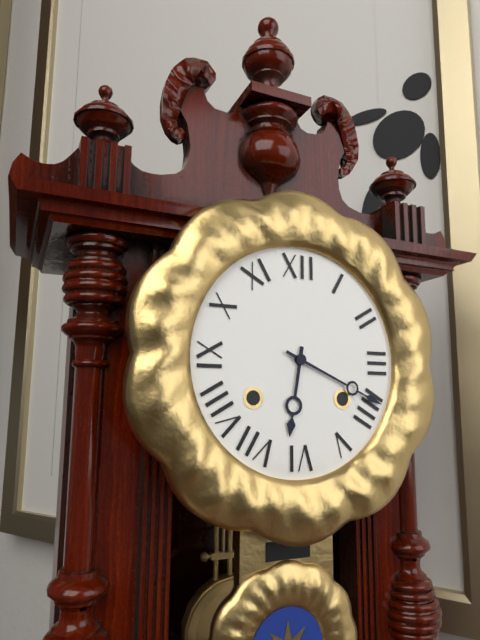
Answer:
{"hour": 6, "minute": 19}
